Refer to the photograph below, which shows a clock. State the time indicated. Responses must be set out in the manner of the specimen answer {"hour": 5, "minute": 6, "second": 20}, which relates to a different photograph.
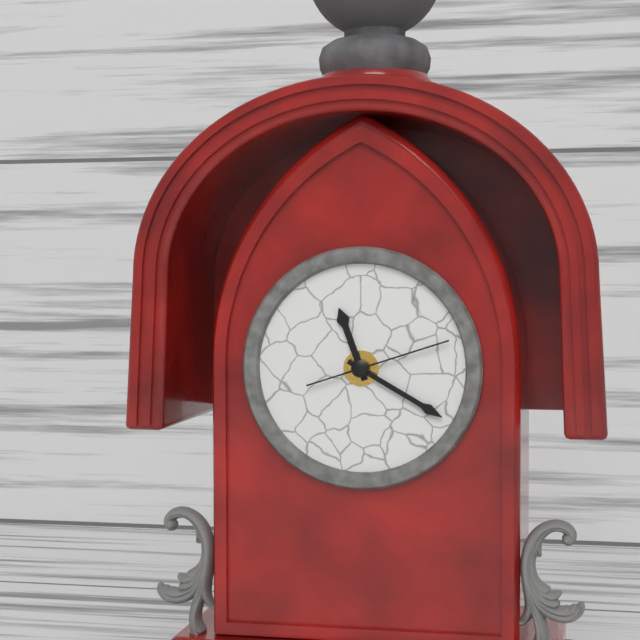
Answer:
{"hour": 11, "minute": 20, "second": 12}
